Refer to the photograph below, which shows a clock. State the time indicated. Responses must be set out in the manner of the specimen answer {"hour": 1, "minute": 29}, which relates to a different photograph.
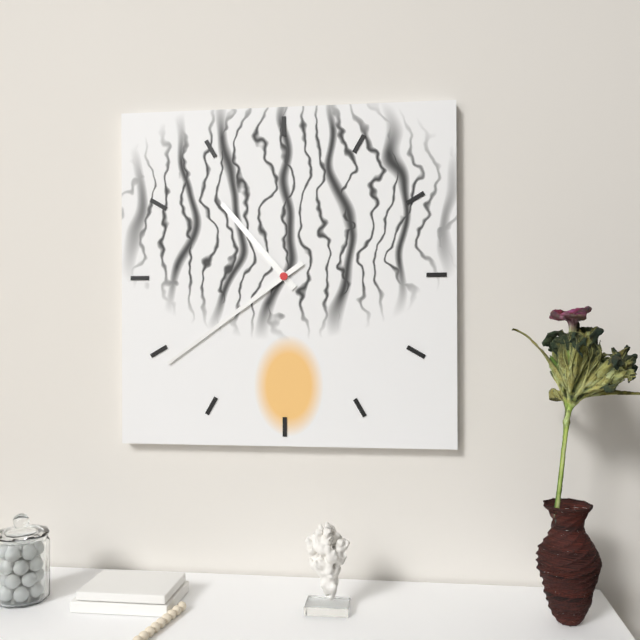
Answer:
{"hour": 10, "minute": 39}
